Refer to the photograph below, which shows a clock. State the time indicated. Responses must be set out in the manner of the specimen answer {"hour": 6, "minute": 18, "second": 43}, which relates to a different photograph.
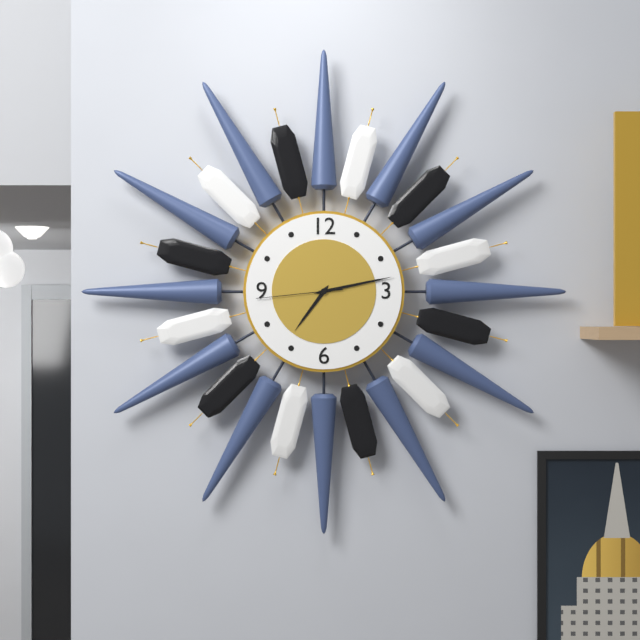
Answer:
{"hour": 7, "minute": 13, "second": 44}
